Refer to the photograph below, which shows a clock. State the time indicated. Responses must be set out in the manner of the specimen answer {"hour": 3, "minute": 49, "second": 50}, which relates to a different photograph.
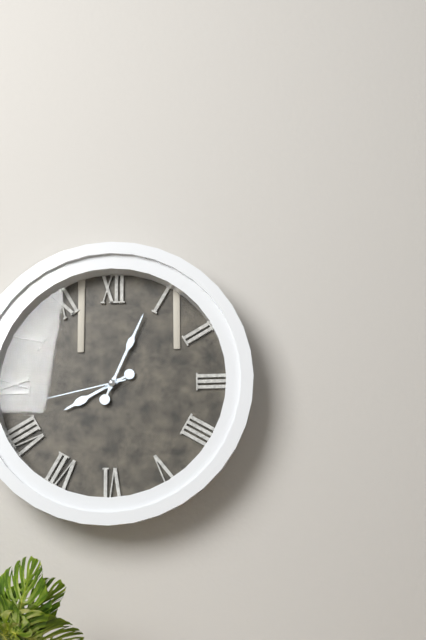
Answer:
{"hour": 8, "minute": 4, "second": 43}
